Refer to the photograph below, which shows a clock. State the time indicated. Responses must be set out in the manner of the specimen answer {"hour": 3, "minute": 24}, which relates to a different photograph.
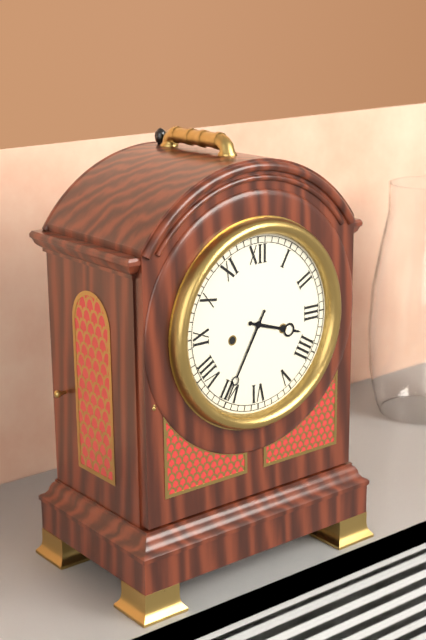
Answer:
{"hour": 3, "minute": 35}
